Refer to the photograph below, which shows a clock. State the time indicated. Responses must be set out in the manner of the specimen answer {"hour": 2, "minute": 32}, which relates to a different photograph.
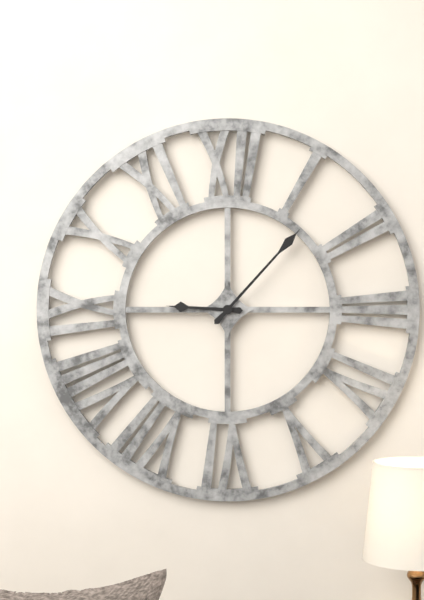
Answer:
{"hour": 9, "minute": 7}
